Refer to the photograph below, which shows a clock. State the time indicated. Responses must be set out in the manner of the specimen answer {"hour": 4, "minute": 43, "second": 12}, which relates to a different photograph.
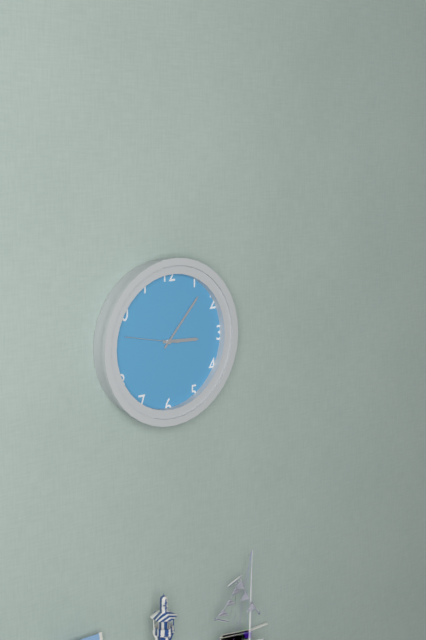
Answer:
{"hour": 3, "minute": 7, "second": 47}
